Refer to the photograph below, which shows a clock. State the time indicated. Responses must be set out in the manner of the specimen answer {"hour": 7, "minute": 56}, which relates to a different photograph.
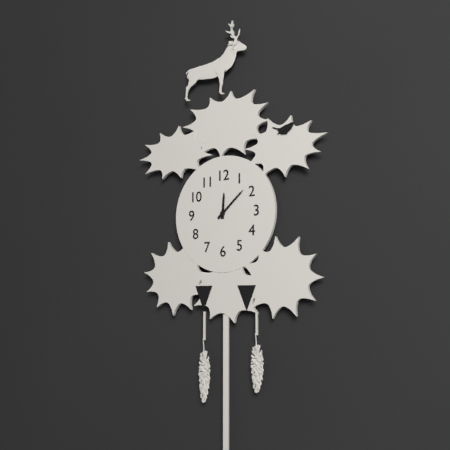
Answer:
{"hour": 12, "minute": 8}
